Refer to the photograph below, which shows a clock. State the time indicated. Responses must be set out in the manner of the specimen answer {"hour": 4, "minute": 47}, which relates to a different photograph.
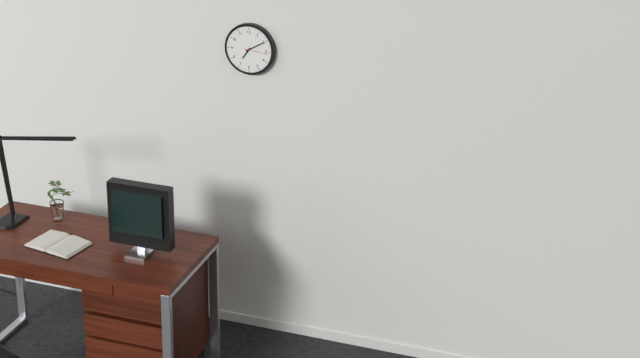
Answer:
{"hour": 7, "minute": 10}
